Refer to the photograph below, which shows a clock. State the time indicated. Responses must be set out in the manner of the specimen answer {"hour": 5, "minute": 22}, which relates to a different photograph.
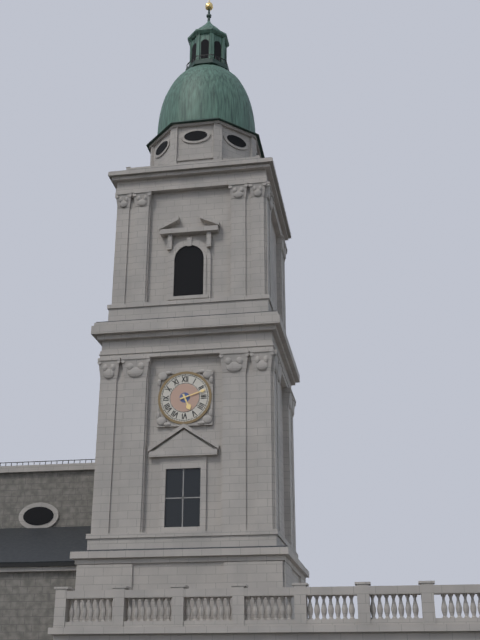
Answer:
{"hour": 5, "minute": 12}
